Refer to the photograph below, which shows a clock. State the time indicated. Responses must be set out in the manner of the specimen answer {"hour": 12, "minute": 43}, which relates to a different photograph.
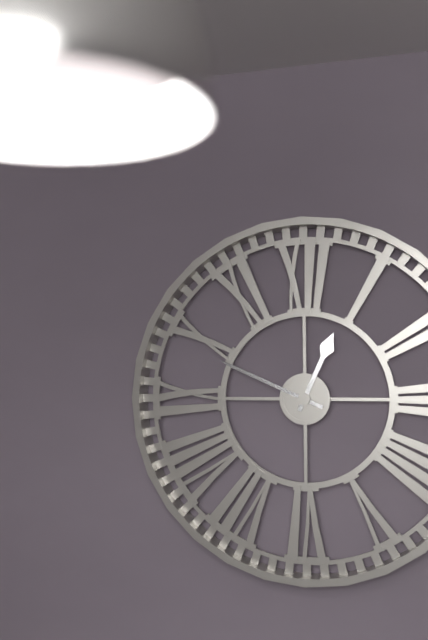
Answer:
{"hour": 12, "minute": 49}
